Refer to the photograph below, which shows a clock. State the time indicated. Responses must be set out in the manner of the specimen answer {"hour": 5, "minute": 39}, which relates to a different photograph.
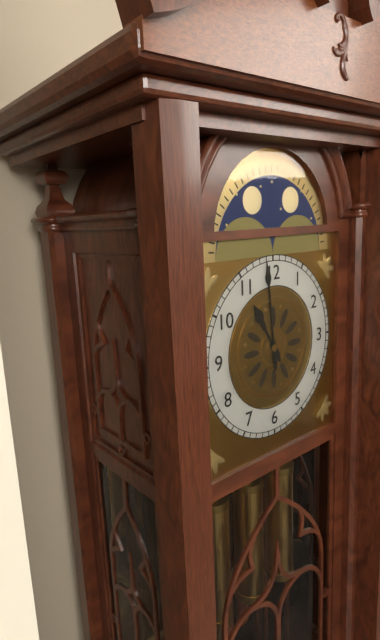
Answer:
{"hour": 10, "minute": 59}
